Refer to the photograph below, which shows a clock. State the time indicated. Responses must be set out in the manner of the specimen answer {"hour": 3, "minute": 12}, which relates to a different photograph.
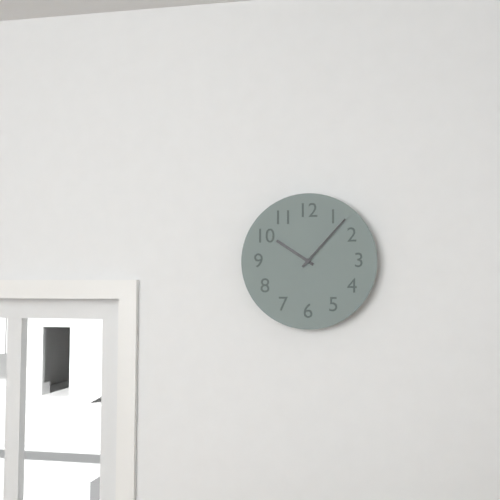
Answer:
{"hour": 10, "minute": 7}
